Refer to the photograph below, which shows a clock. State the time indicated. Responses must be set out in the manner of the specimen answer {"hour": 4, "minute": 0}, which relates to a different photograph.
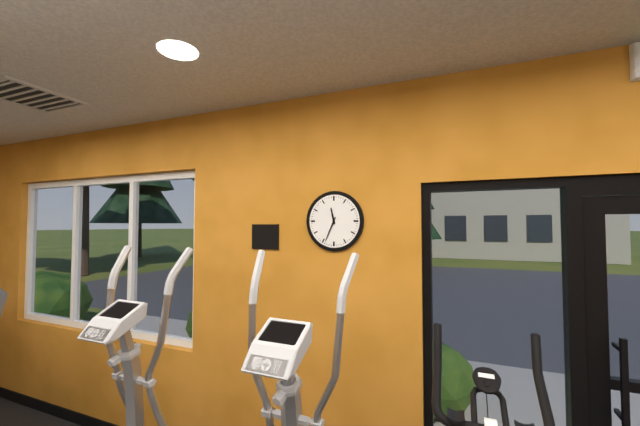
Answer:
{"hour": 11, "minute": 34}
